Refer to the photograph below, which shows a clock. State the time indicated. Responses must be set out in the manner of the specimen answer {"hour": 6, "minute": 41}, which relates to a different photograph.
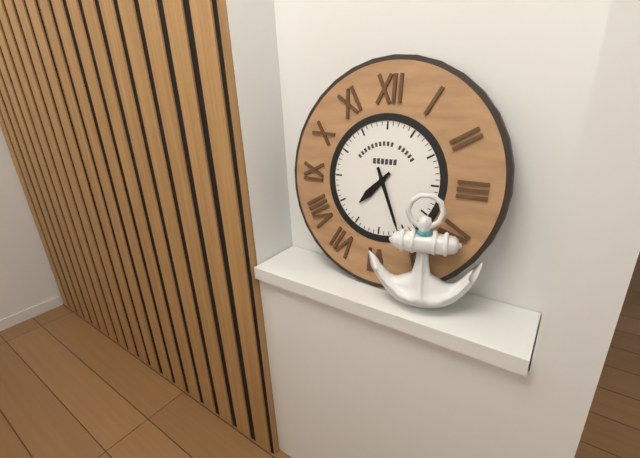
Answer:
{"hour": 7, "minute": 26}
